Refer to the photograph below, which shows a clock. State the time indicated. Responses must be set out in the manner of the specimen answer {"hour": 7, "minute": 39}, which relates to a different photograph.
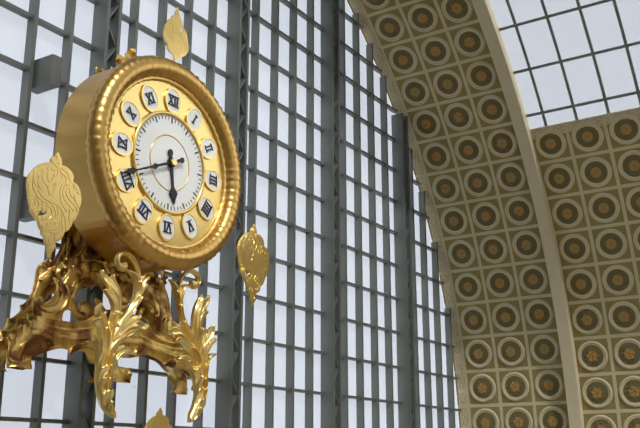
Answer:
{"hour": 5, "minute": 41}
